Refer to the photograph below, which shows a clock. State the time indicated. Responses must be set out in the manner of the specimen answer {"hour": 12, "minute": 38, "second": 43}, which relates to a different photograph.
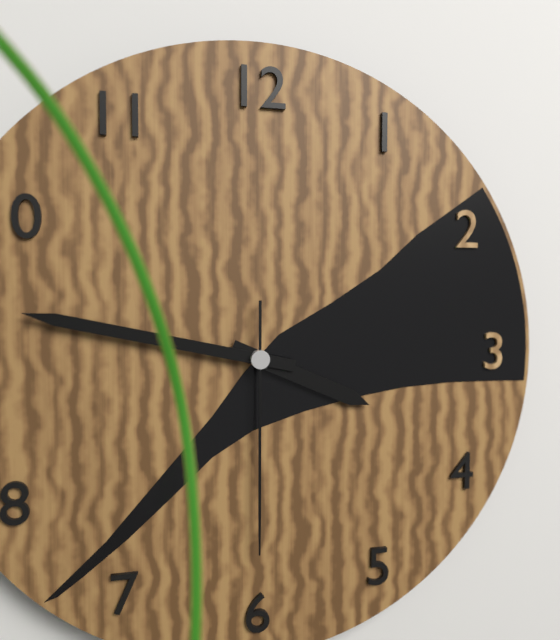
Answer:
{"hour": 3, "minute": 47, "second": 30}
